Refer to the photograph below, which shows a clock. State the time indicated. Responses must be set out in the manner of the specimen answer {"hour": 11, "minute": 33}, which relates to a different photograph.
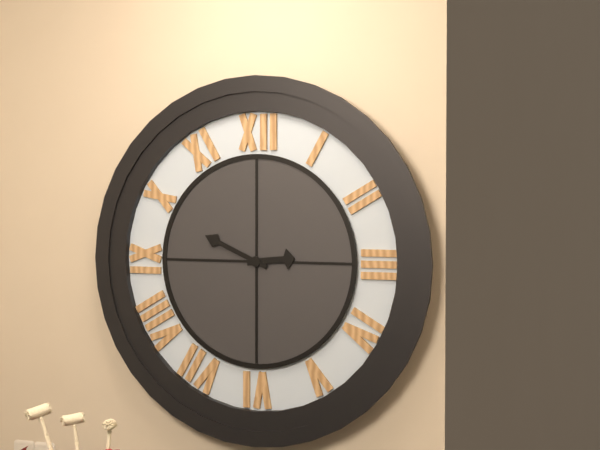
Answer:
{"hour": 2, "minute": 49}
